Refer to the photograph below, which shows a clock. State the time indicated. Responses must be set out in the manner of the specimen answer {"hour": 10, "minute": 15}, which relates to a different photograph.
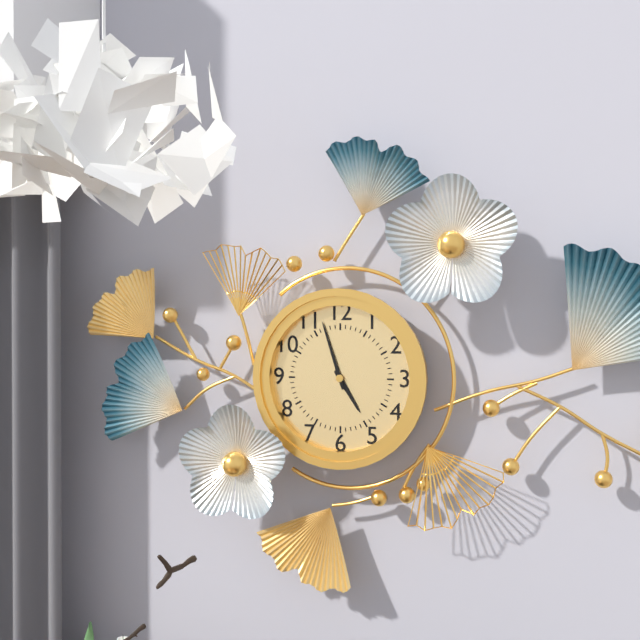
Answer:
{"hour": 4, "minute": 57}
